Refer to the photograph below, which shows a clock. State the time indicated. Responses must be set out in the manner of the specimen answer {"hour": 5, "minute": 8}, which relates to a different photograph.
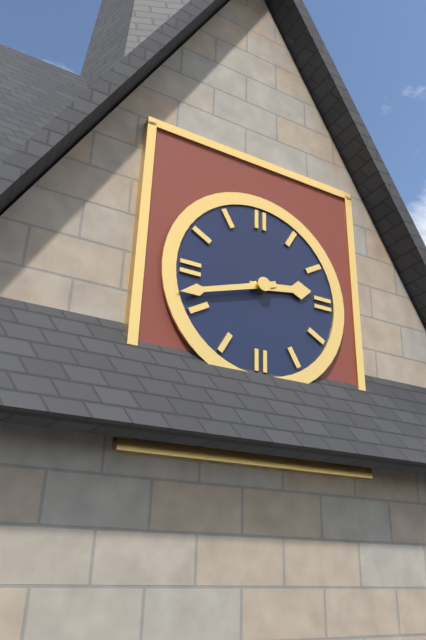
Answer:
{"hour": 2, "minute": 42}
